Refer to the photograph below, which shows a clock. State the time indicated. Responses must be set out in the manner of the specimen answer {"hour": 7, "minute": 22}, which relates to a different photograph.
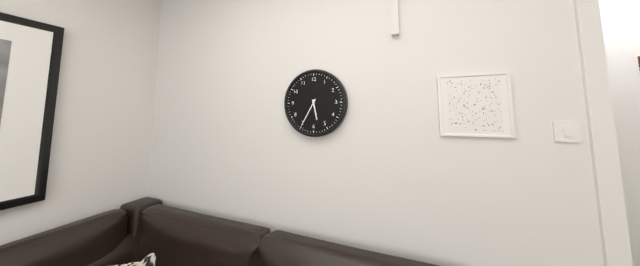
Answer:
{"hour": 5, "minute": 35}
